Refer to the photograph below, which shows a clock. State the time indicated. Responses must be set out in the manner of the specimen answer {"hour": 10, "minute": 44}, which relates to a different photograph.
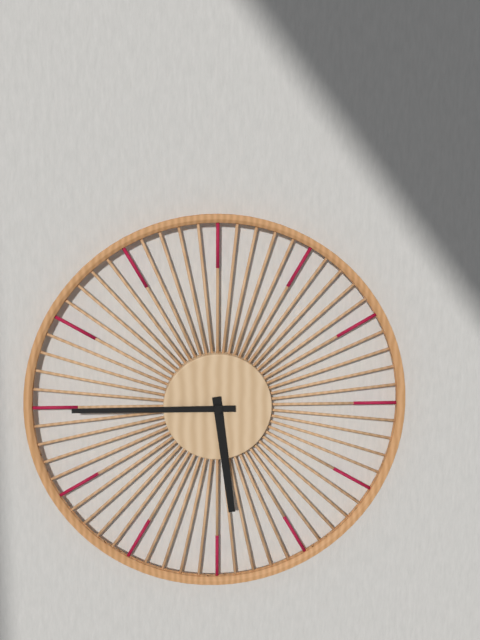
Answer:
{"hour": 5, "minute": 45}
